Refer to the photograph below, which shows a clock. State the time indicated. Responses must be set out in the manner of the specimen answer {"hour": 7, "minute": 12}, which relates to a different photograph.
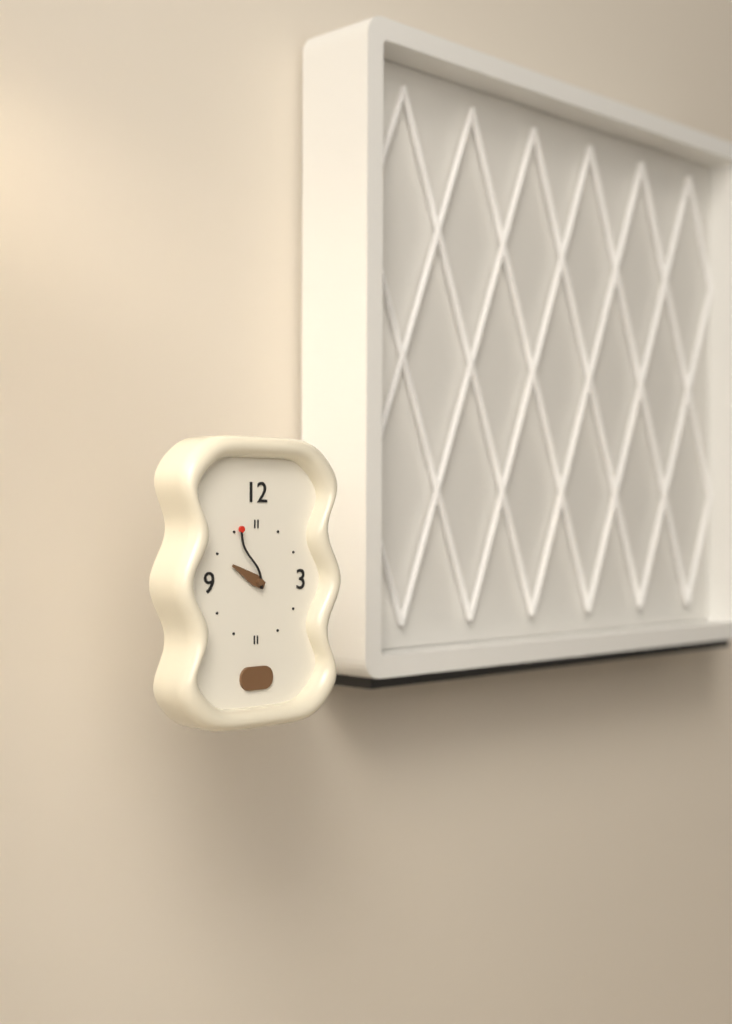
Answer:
{"hour": 9, "minute": 56}
